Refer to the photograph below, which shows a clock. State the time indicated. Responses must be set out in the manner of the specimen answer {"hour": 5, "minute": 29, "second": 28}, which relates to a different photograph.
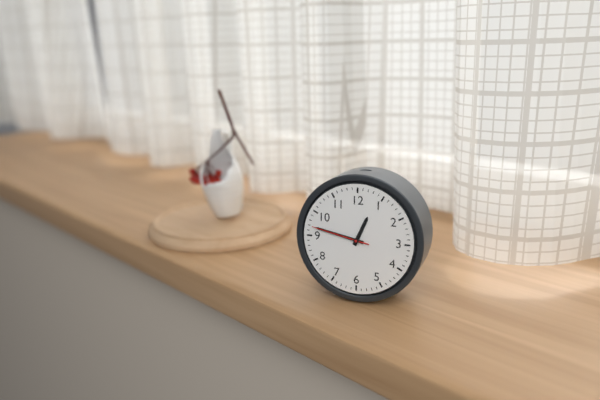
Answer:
{"hour": 12, "minute": 47, "second": 47}
